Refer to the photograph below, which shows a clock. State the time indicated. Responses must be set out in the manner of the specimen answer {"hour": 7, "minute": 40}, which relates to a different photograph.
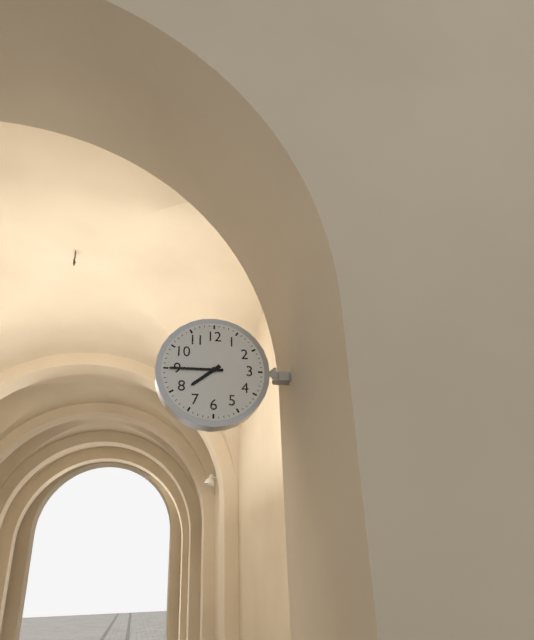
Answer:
{"hour": 7, "minute": 45}
